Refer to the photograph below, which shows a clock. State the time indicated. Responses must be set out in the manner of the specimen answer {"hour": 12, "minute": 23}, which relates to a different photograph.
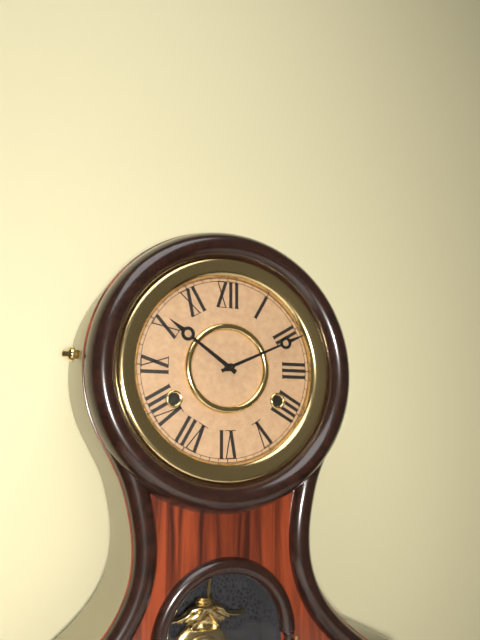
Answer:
{"hour": 10, "minute": 11}
